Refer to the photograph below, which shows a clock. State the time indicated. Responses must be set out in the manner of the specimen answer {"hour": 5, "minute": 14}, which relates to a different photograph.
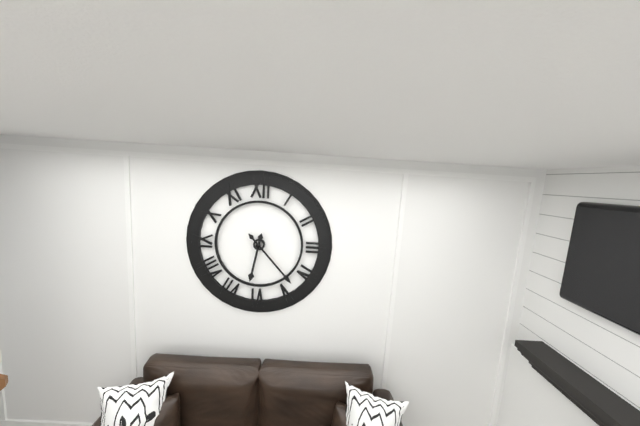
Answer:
{"hour": 6, "minute": 23}
